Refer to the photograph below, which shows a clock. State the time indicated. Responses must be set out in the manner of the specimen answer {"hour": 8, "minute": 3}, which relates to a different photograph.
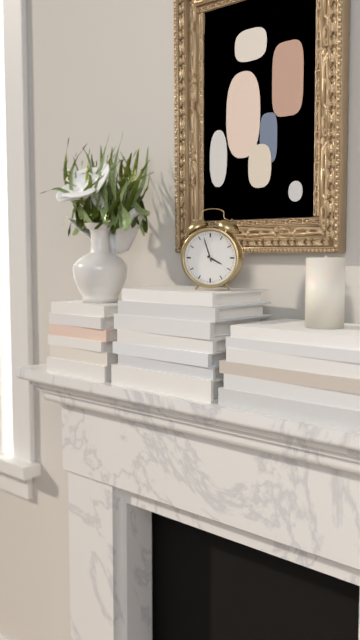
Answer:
{"hour": 3, "minute": 57}
